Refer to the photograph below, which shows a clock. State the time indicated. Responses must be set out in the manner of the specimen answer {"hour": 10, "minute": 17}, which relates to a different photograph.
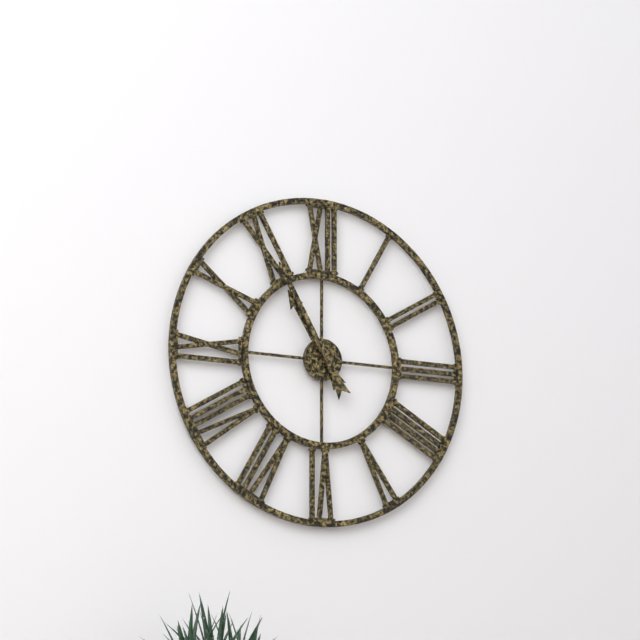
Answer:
{"hour": 10, "minute": 55}
